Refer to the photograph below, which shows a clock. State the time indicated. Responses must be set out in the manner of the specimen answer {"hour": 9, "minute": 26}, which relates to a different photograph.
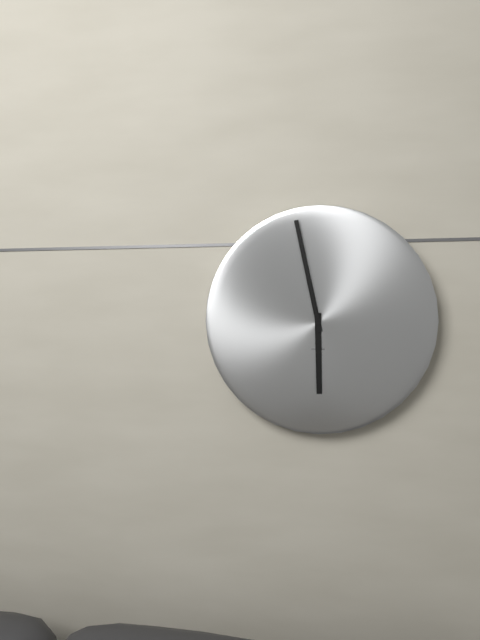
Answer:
{"hour": 5, "minute": 58}
